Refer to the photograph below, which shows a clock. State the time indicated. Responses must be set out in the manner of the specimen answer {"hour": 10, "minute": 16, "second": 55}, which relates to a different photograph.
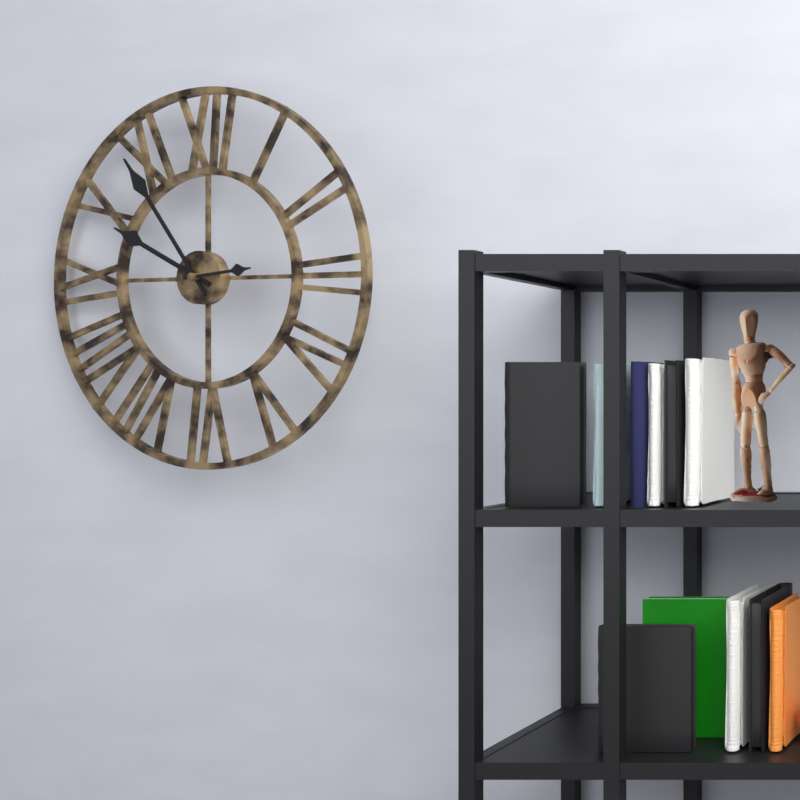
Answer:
{"hour": 9, "minute": 54, "second": 14}
